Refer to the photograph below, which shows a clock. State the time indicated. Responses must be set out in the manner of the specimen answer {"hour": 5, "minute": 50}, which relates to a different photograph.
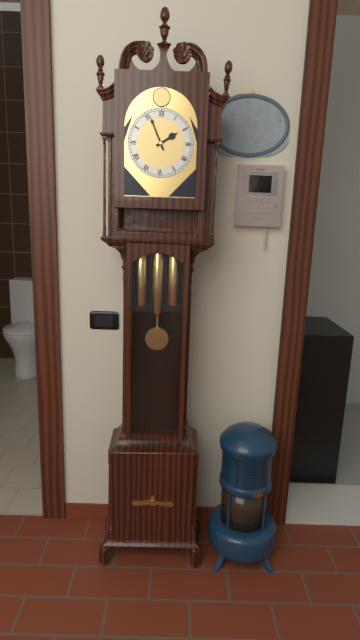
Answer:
{"hour": 1, "minute": 56}
